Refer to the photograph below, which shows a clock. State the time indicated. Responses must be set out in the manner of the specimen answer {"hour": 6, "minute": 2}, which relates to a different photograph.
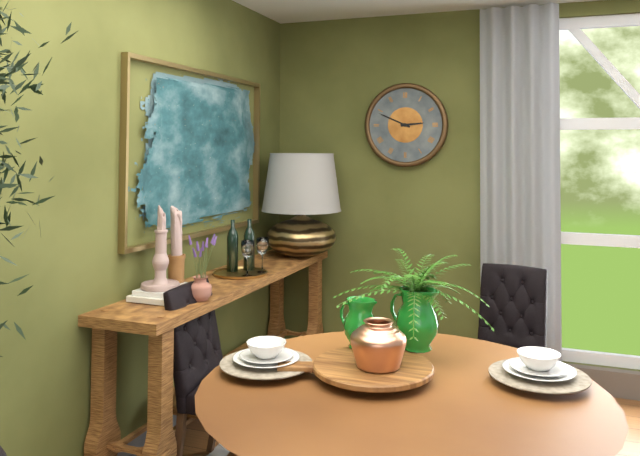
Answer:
{"hour": 2, "minute": 49}
